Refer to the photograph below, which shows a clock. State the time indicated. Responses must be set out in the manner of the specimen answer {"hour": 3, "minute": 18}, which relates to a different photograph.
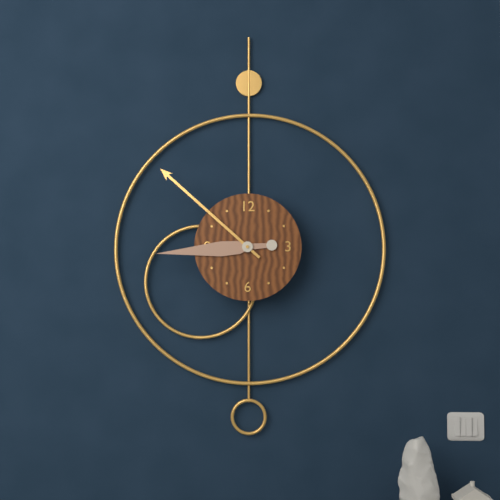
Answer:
{"hour": 8, "minute": 52}
